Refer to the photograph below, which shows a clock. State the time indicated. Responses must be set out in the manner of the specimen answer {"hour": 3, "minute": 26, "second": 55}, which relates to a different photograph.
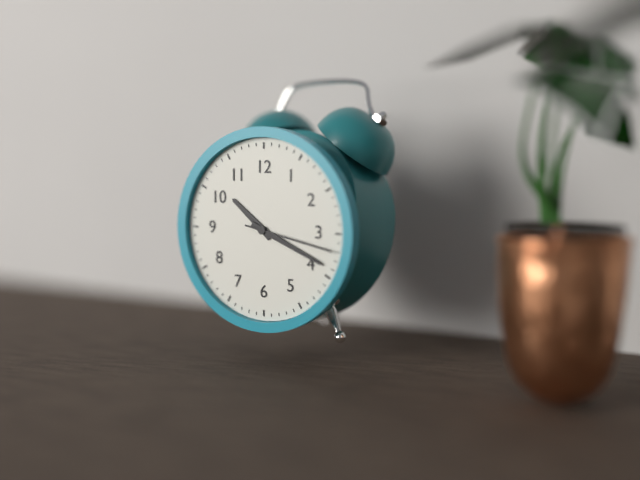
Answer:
{"hour": 10, "minute": 19, "second": 17}
